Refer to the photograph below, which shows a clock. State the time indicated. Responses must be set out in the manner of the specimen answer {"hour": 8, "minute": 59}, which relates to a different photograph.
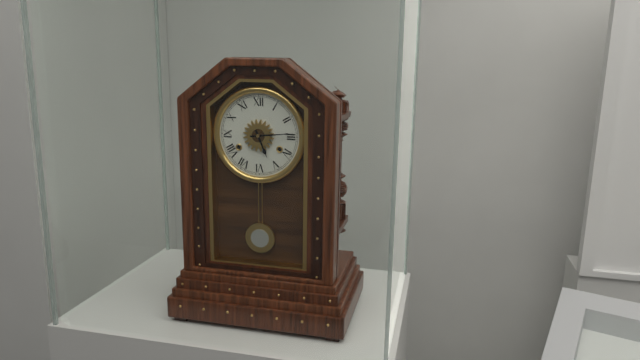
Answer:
{"hour": 5, "minute": 14}
